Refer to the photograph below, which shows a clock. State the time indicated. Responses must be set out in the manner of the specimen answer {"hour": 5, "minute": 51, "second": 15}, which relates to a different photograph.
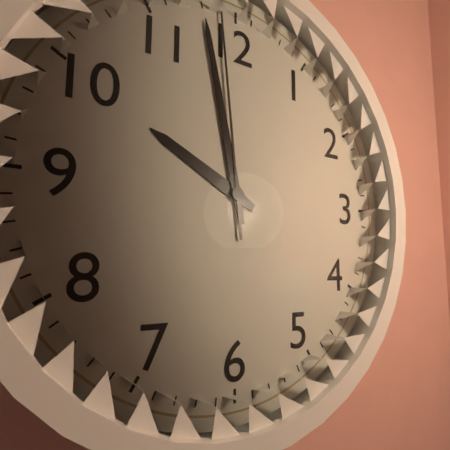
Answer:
{"hour": 9, "minute": 58, "second": 59}
